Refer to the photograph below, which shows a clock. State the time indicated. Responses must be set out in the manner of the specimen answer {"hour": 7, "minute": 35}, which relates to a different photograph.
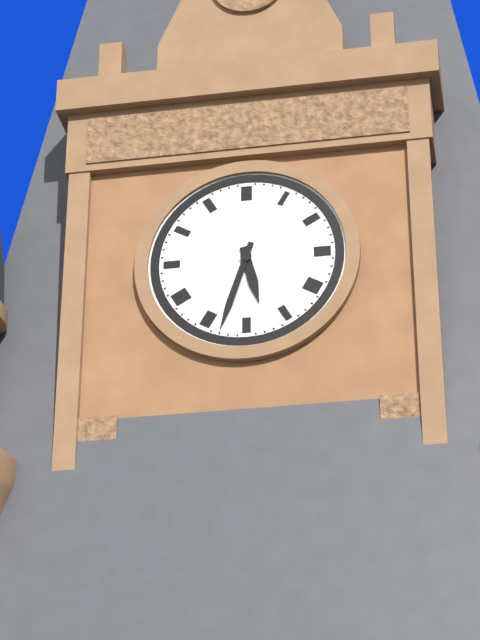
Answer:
{"hour": 5, "minute": 33}
